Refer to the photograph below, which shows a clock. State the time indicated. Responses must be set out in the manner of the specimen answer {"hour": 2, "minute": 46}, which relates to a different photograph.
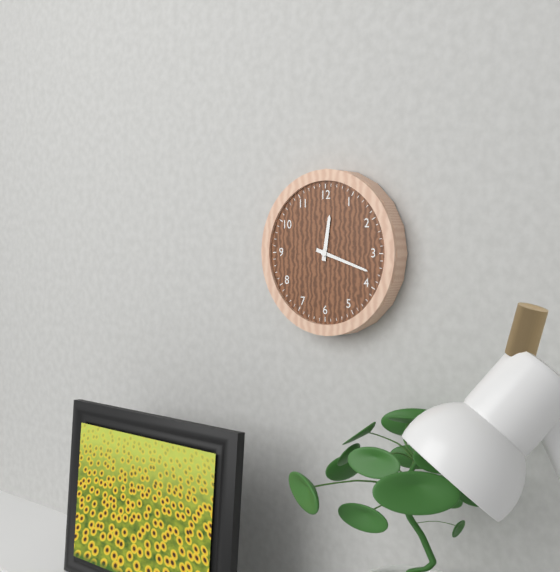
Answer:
{"hour": 12, "minute": 18}
